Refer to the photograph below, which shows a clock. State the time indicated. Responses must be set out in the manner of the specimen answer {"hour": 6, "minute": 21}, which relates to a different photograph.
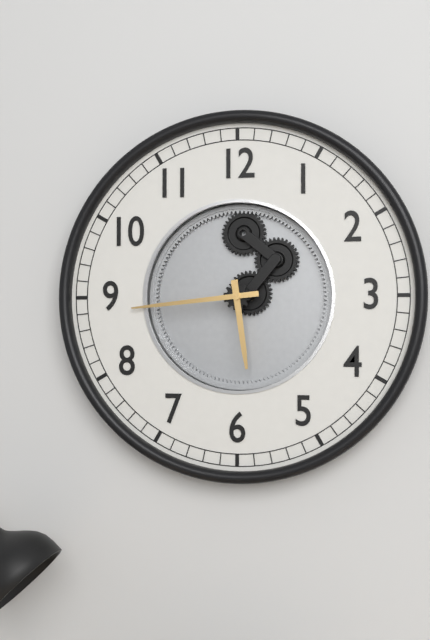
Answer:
{"hour": 5, "minute": 44}
